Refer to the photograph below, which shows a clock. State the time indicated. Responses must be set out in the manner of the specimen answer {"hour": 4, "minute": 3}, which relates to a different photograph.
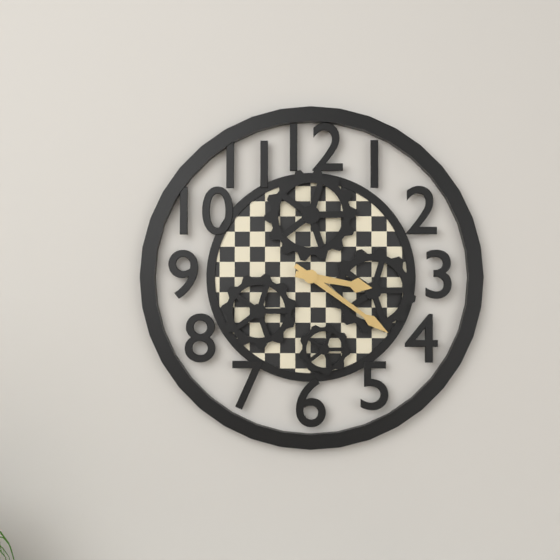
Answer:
{"hour": 3, "minute": 21}
